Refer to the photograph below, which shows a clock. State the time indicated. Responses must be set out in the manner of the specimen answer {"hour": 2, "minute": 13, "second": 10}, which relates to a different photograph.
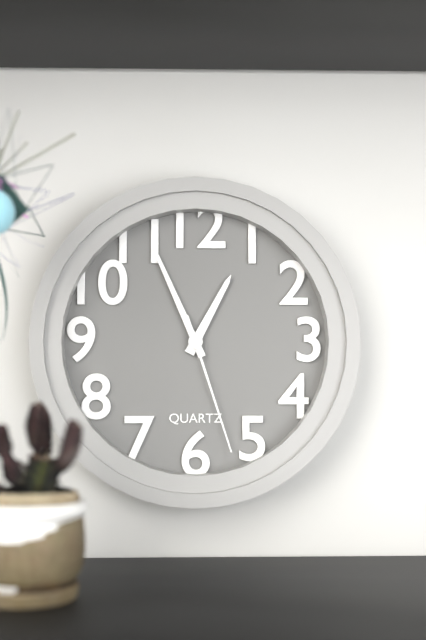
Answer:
{"hour": 12, "minute": 56, "second": 27}
